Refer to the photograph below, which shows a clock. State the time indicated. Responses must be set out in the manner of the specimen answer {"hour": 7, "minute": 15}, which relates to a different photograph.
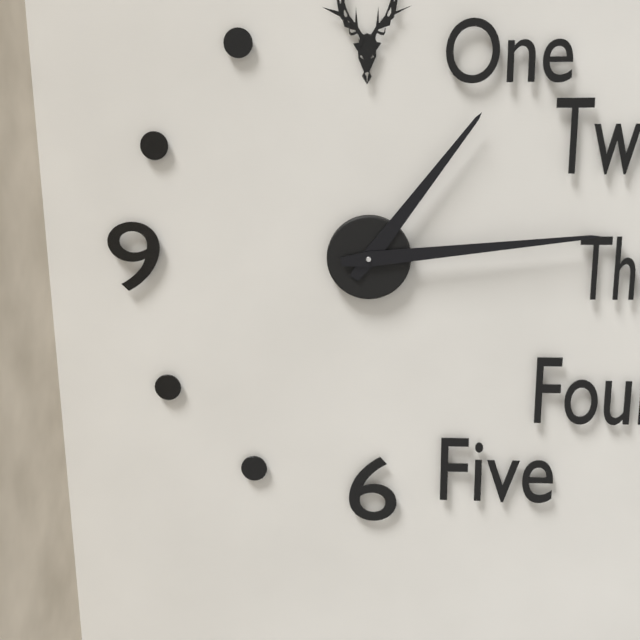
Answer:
{"hour": 1, "minute": 14}
